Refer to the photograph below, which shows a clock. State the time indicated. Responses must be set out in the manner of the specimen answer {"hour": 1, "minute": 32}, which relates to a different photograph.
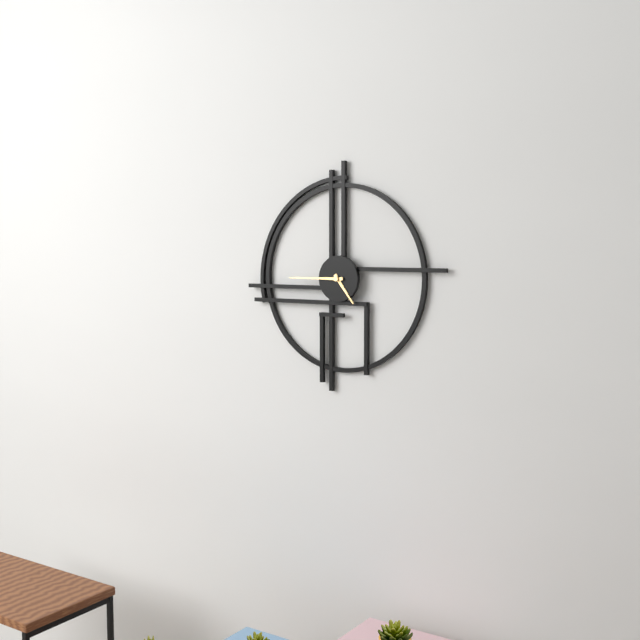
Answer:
{"hour": 4, "minute": 45}
